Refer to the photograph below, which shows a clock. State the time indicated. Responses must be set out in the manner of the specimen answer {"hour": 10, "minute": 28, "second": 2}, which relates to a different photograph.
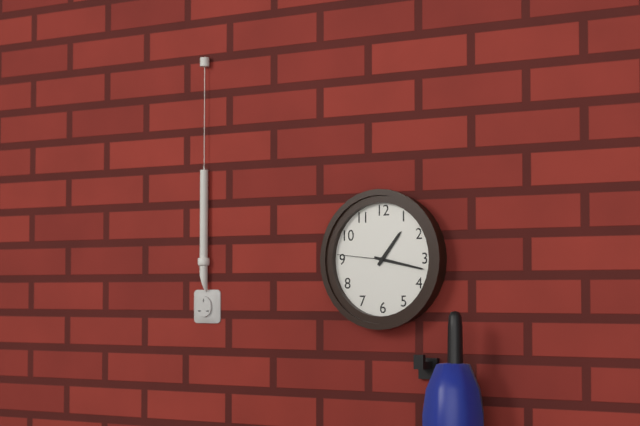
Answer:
{"hour": 1, "minute": 17, "second": 46}
